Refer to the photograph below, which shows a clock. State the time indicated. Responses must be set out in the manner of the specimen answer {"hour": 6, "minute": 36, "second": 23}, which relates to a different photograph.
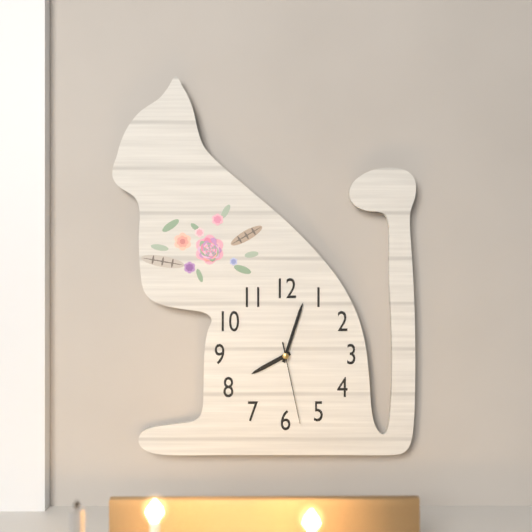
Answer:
{"hour": 8, "minute": 3, "second": 28}
